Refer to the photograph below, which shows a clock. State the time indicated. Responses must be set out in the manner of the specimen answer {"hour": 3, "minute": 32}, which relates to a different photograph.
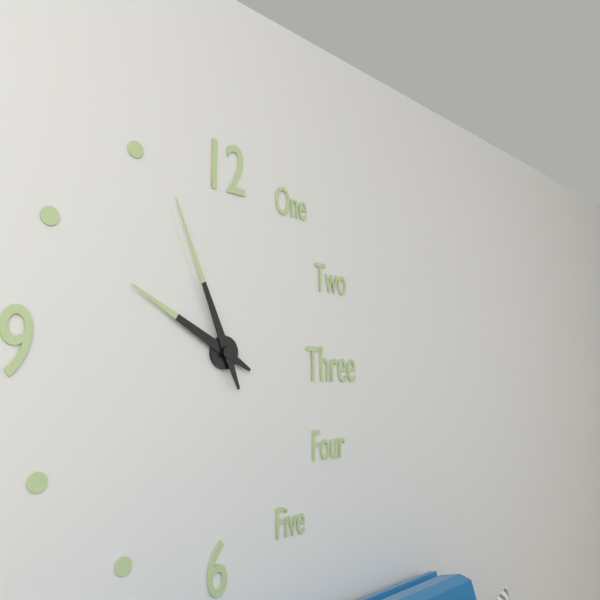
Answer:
{"hour": 9, "minute": 56}
